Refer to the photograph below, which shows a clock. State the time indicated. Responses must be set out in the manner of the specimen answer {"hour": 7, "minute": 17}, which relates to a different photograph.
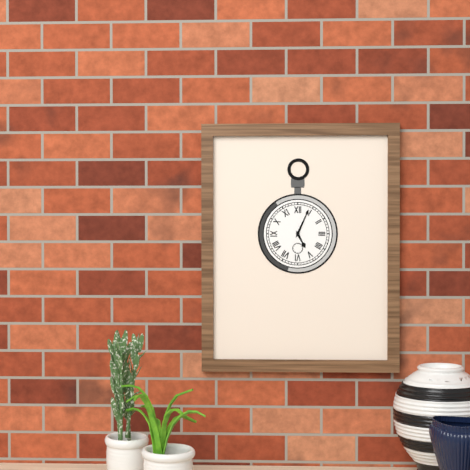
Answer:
{"hour": 5, "minute": 4}
